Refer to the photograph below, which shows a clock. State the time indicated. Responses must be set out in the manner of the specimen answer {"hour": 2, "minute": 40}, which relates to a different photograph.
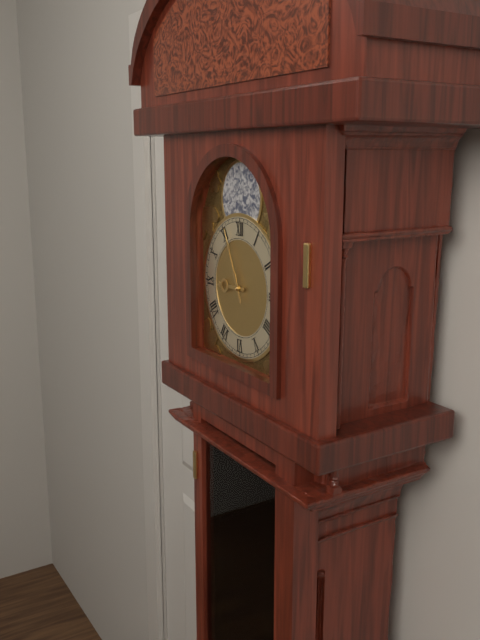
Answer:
{"hour": 8, "minute": 56}
